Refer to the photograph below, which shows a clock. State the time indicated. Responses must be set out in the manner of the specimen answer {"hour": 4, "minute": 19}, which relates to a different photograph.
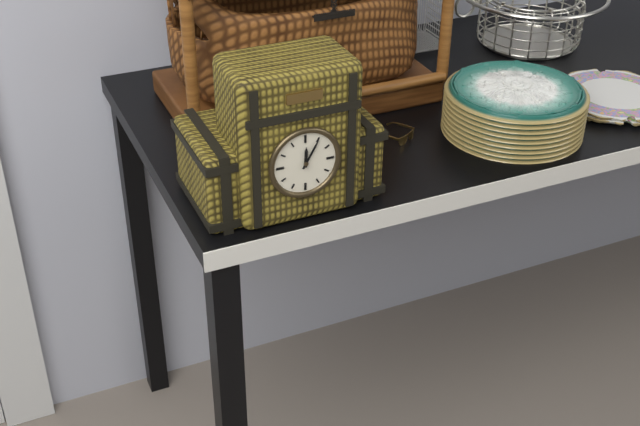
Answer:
{"hour": 12, "minute": 5}
